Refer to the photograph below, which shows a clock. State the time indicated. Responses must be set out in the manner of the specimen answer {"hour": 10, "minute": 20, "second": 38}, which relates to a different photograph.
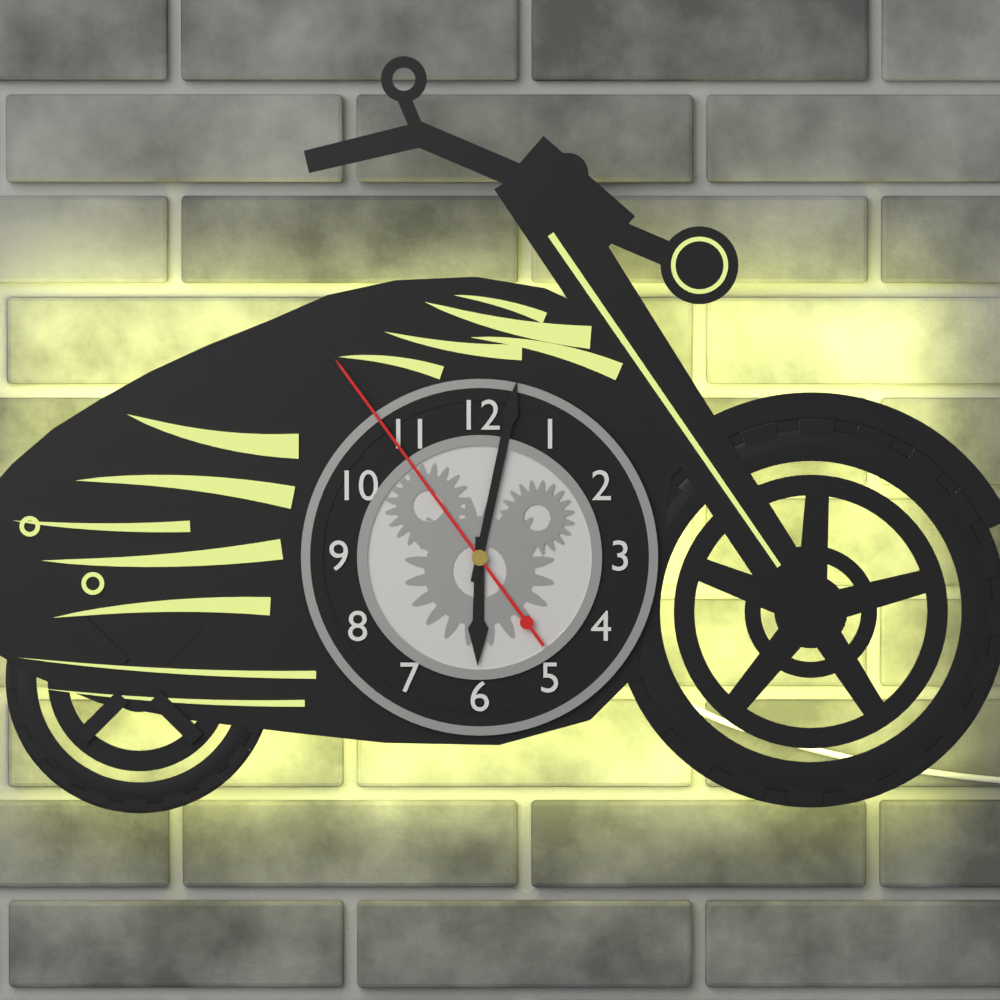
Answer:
{"hour": 6, "minute": 2, "second": 54}
